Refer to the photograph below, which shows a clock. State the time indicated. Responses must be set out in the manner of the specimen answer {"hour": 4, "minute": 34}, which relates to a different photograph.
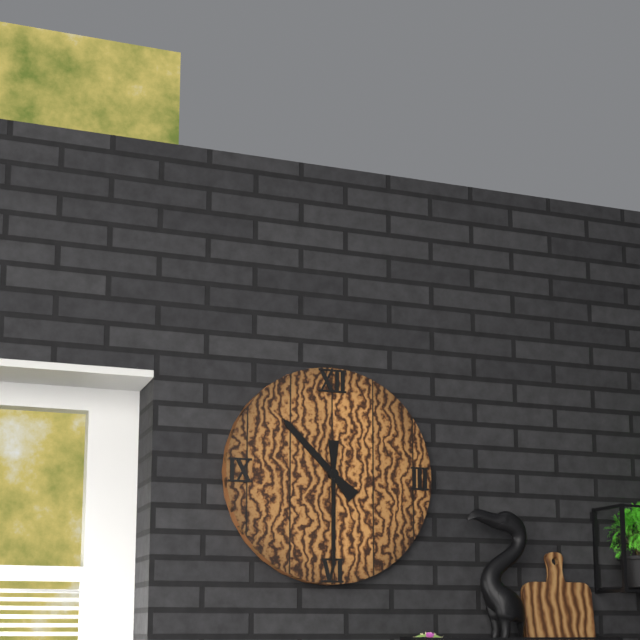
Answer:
{"hour": 10, "minute": 30}
